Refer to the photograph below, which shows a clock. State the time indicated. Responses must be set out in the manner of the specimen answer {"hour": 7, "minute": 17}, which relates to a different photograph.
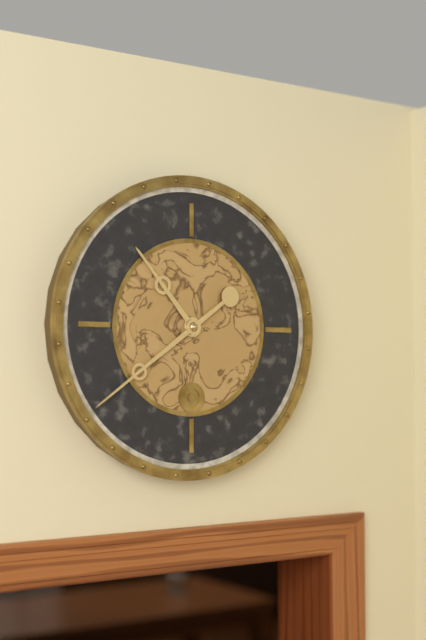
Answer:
{"hour": 10, "minute": 39}
